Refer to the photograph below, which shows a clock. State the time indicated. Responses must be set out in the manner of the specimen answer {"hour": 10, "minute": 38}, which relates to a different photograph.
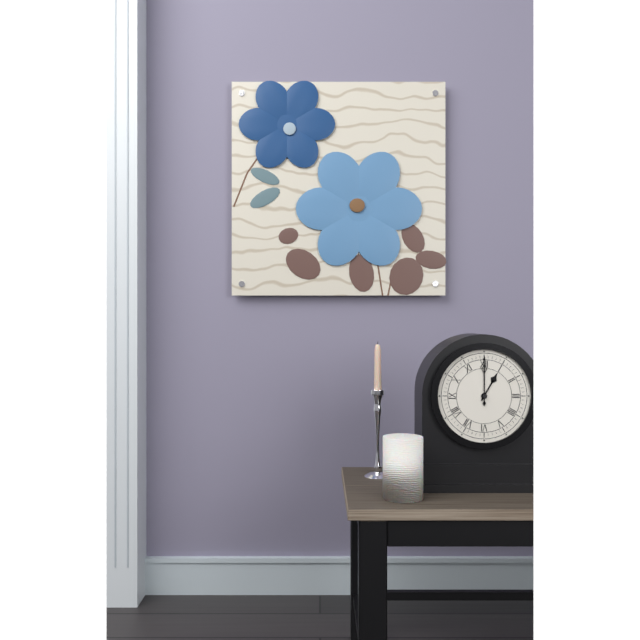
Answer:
{"hour": 1, "minute": 0}
